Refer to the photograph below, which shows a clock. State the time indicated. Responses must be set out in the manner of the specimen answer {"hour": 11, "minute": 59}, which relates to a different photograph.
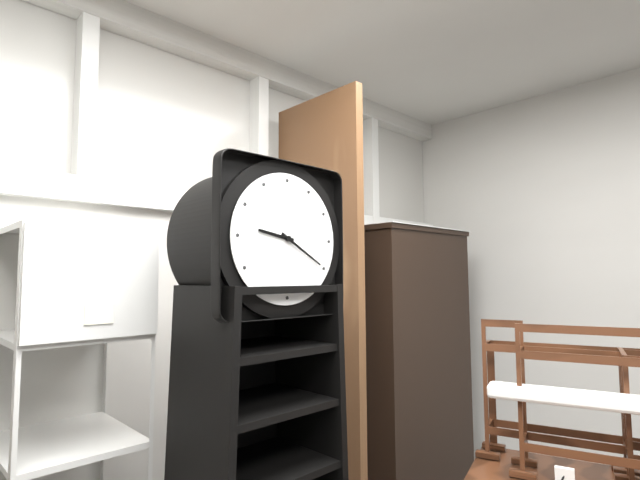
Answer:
{"hour": 9, "minute": 20}
